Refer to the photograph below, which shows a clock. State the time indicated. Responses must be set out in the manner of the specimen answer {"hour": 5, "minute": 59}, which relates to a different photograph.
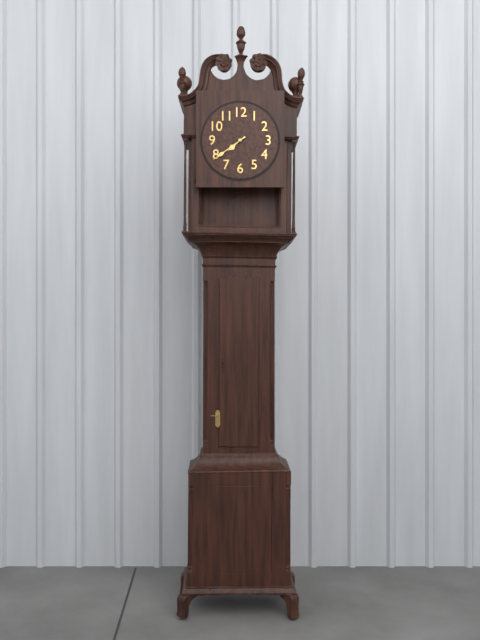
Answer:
{"hour": 7, "minute": 39}
